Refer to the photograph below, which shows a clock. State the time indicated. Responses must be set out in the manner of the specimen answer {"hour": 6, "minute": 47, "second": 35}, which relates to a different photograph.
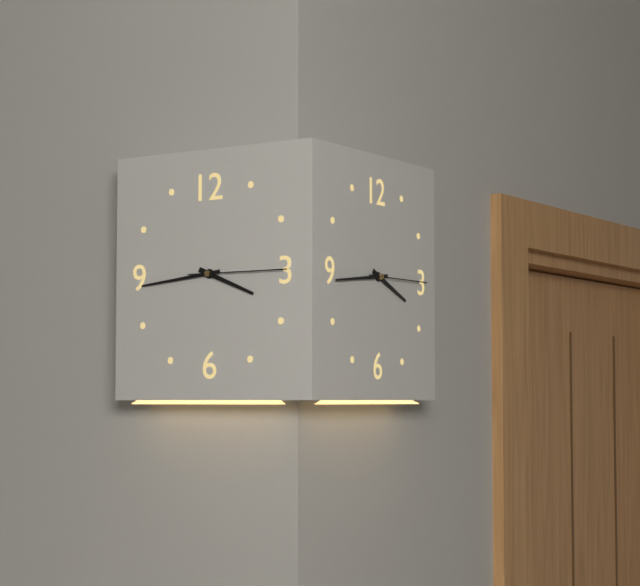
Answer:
{"hour": 3, "minute": 44, "second": 15}
